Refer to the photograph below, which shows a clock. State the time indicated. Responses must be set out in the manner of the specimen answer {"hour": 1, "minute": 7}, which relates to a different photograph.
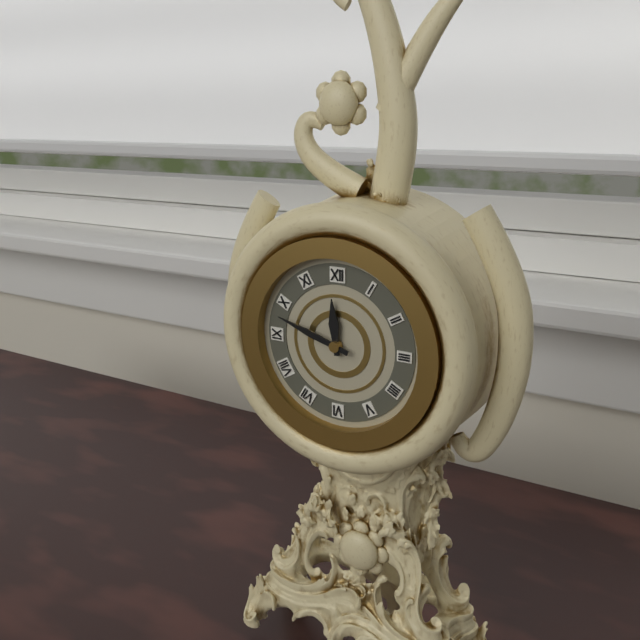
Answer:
{"hour": 11, "minute": 48}
